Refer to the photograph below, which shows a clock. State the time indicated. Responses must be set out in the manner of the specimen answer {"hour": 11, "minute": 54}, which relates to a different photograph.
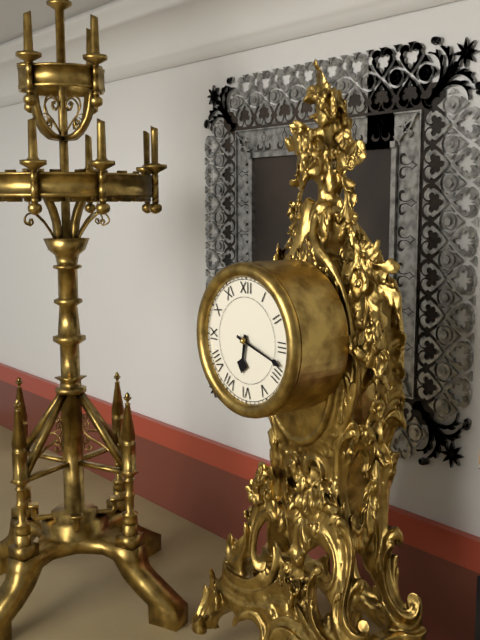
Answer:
{"hour": 6, "minute": 18}
